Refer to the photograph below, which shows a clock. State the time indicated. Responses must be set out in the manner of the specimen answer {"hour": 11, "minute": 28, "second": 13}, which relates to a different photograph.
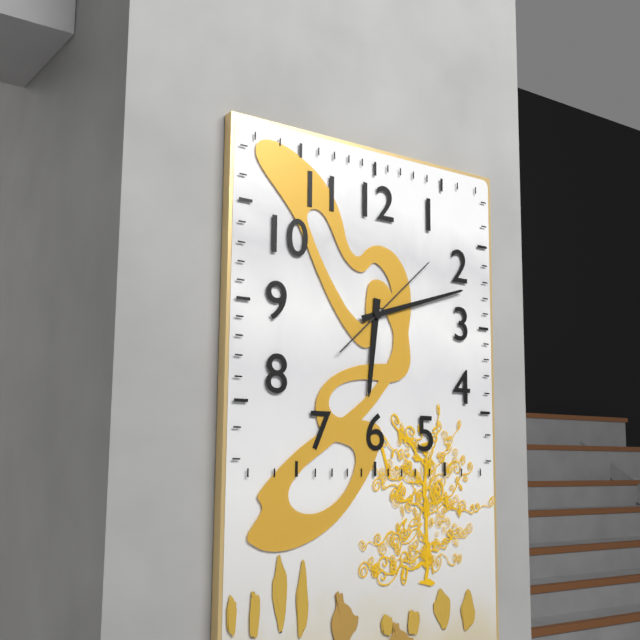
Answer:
{"hour": 6, "minute": 12, "second": 8}
